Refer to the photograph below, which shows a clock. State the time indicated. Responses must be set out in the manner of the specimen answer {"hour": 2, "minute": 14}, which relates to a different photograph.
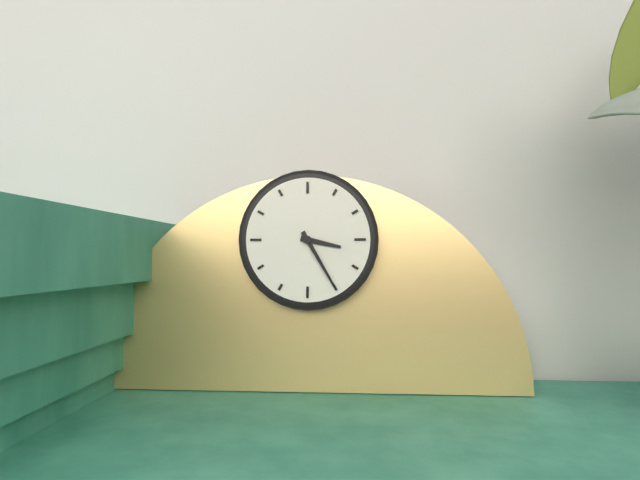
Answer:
{"hour": 3, "minute": 25}
